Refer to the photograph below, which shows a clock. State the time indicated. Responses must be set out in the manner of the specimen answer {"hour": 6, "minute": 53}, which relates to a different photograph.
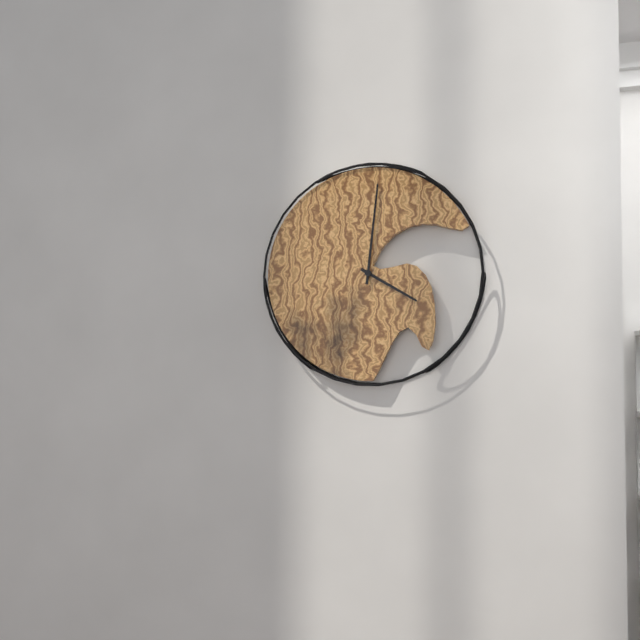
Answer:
{"hour": 4, "minute": 1}
